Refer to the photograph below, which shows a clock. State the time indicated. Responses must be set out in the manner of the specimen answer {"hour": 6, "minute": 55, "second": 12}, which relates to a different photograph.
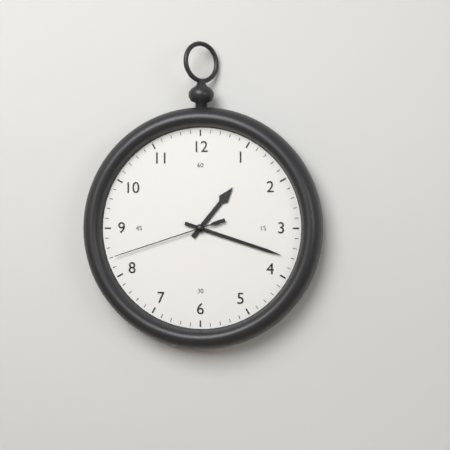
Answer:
{"hour": 1, "minute": 18, "second": 42}
